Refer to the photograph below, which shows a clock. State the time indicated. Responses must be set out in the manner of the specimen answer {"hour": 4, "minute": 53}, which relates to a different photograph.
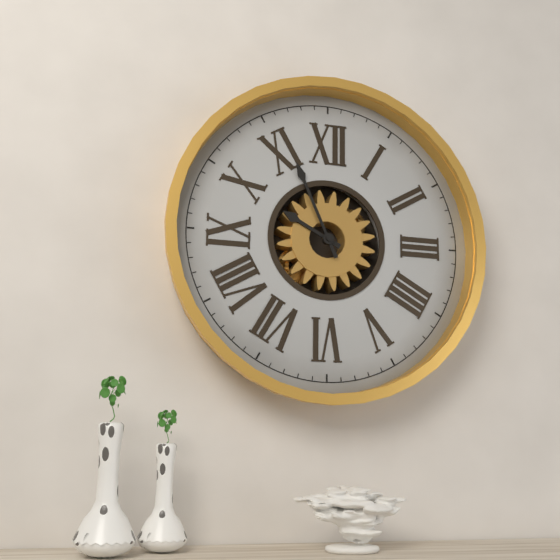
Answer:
{"hour": 9, "minute": 56}
